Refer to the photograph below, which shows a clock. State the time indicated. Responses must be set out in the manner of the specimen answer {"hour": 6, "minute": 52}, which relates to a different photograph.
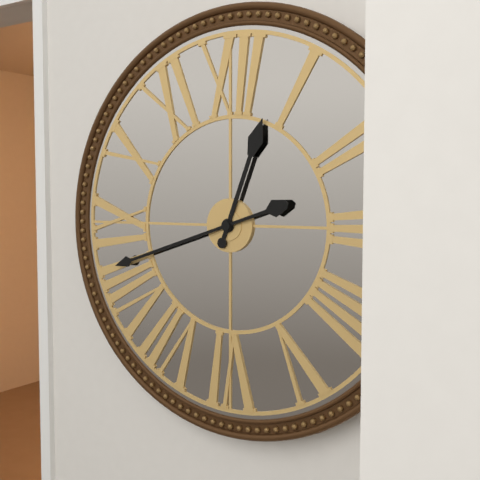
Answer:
{"hour": 12, "minute": 42}
